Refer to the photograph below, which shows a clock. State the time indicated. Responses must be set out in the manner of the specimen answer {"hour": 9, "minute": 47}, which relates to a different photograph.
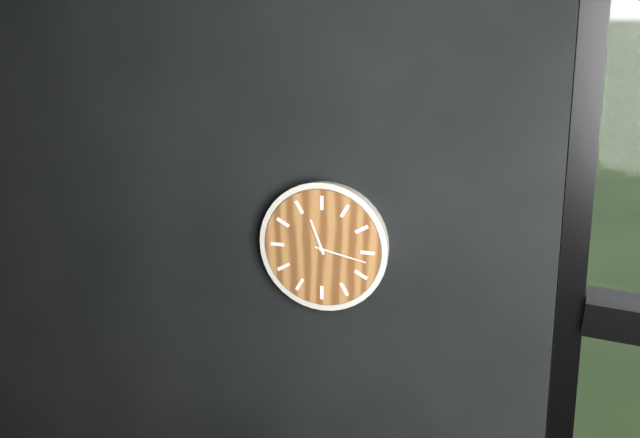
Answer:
{"hour": 11, "minute": 17}
